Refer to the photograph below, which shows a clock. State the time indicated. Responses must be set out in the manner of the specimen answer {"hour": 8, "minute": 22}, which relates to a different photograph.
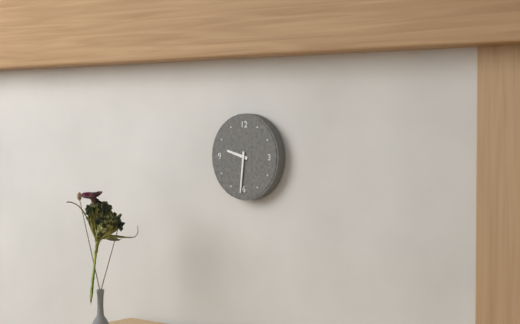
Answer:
{"hour": 9, "minute": 31}
